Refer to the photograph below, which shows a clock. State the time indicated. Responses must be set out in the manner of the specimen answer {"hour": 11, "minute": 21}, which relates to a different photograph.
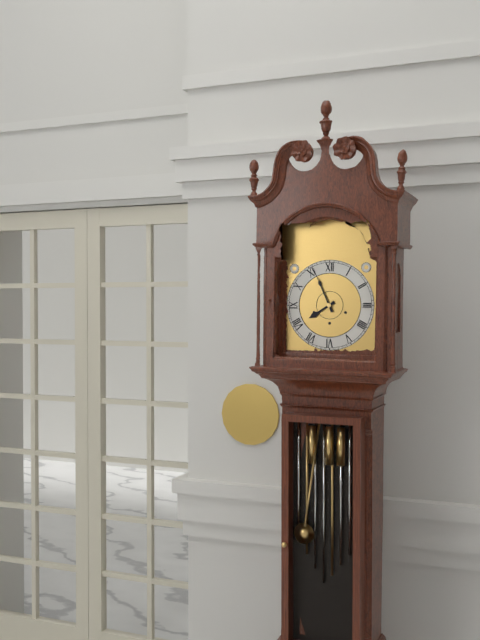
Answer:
{"hour": 7, "minute": 56}
